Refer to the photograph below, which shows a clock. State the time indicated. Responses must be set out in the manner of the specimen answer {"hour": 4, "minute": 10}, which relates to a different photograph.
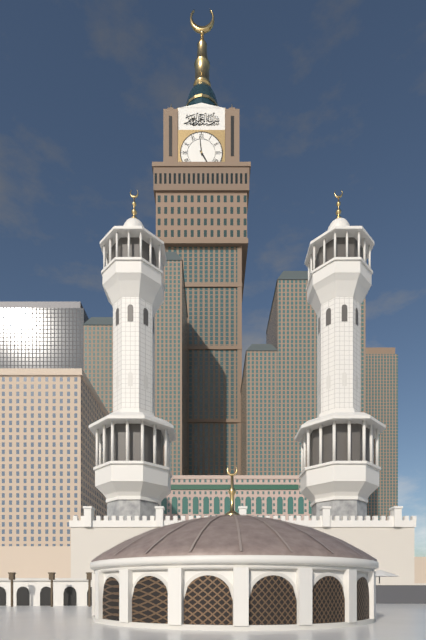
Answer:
{"hour": 4, "minute": 59}
